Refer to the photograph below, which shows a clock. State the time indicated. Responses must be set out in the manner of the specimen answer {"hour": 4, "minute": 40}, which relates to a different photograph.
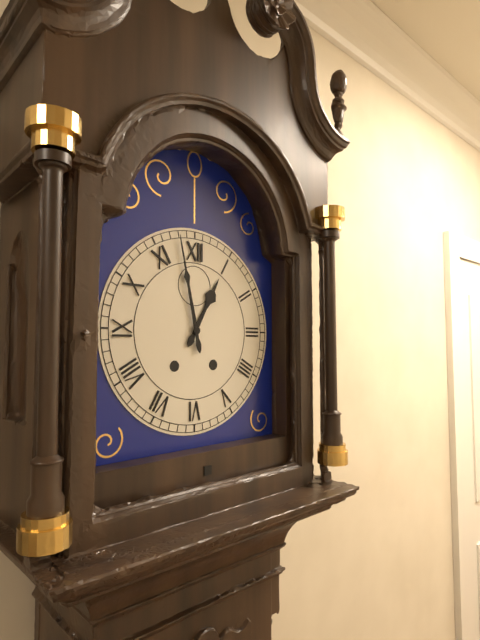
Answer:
{"hour": 12, "minute": 58}
